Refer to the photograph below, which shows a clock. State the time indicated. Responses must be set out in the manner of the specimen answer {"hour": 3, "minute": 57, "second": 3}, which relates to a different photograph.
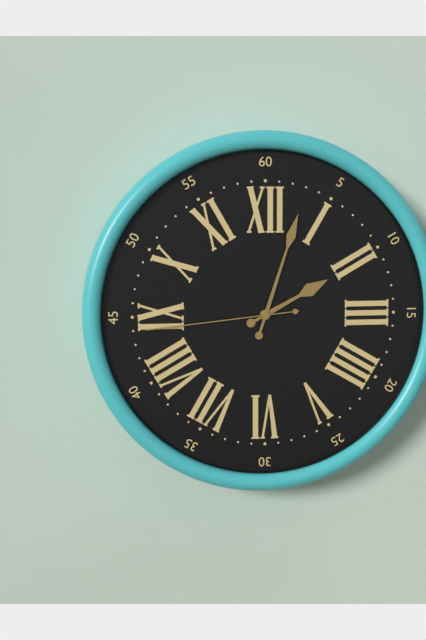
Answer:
{"hour": 2, "minute": 3, "second": 44}
